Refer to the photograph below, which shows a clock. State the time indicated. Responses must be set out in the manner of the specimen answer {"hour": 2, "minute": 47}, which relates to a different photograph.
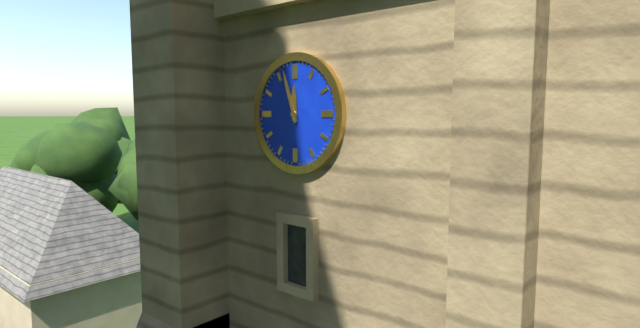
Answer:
{"hour": 11, "minute": 57}
